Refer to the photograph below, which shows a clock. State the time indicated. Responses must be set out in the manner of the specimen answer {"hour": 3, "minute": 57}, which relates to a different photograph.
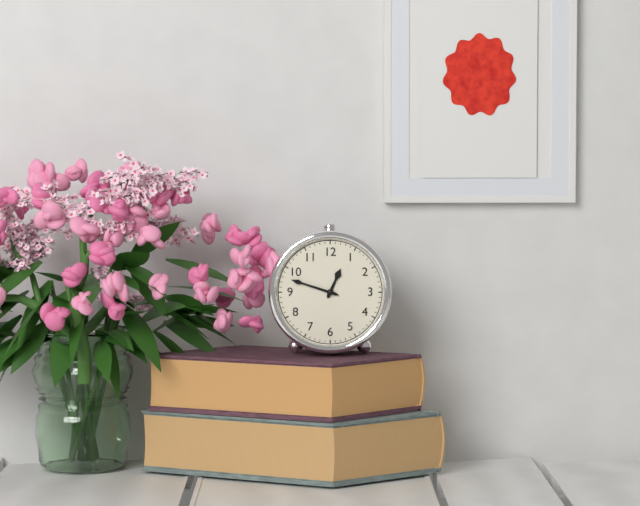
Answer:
{"hour": 12, "minute": 48}
